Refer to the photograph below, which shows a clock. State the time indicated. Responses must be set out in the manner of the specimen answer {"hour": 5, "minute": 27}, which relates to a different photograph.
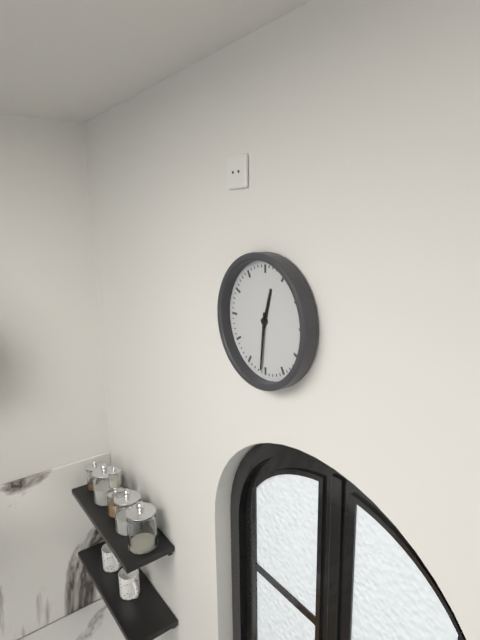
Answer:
{"hour": 12, "minute": 31}
